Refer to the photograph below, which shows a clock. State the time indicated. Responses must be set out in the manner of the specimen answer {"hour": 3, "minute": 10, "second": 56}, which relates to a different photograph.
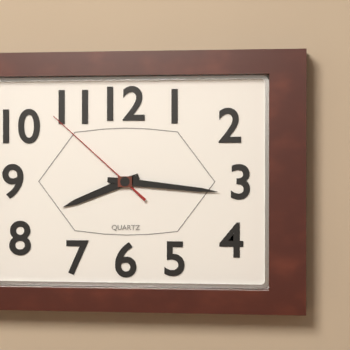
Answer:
{"hour": 8, "minute": 16, "second": 52}
